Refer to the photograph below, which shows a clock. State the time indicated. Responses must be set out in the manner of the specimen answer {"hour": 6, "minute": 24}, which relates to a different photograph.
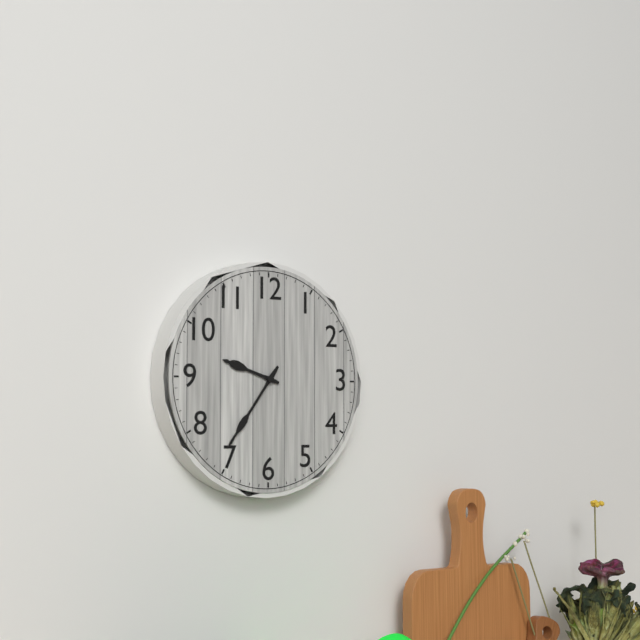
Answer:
{"hour": 9, "minute": 36}
